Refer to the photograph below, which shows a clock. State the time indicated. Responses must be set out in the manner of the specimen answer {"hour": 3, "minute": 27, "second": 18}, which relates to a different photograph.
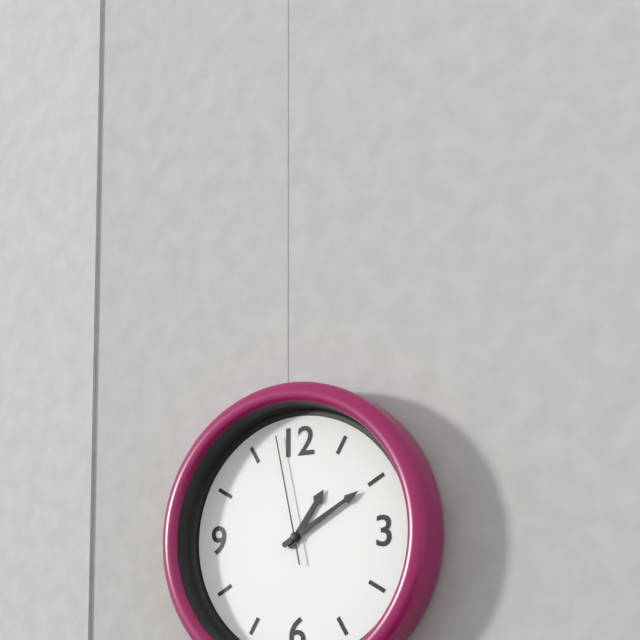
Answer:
{"hour": 1, "minute": 10, "second": 58}
